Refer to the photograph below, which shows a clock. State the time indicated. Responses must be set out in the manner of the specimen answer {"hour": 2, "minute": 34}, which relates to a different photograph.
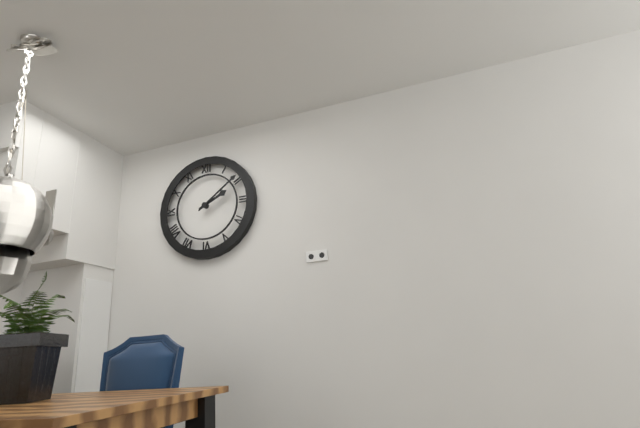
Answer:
{"hour": 2, "minute": 9}
